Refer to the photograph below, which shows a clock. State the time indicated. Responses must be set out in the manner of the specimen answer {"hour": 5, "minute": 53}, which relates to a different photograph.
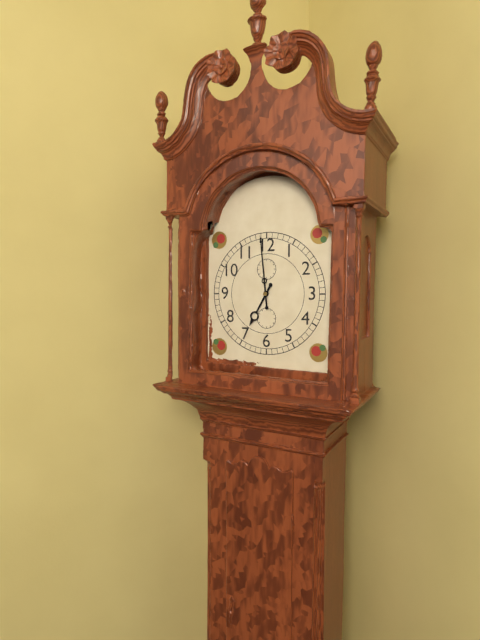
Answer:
{"hour": 6, "minute": 59}
